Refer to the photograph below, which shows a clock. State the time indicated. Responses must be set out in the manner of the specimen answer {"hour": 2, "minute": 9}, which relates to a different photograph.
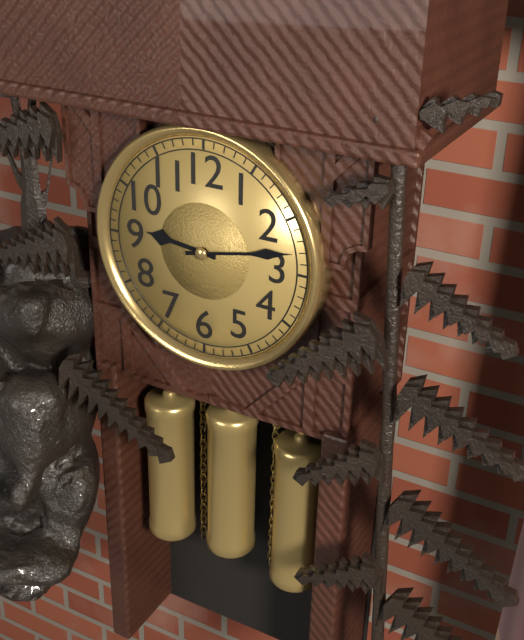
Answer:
{"hour": 9, "minute": 13}
